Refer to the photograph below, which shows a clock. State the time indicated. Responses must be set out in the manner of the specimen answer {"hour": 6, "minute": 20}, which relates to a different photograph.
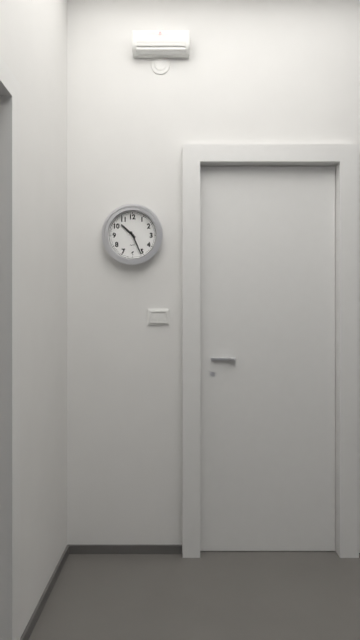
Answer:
{"hour": 10, "minute": 26}
